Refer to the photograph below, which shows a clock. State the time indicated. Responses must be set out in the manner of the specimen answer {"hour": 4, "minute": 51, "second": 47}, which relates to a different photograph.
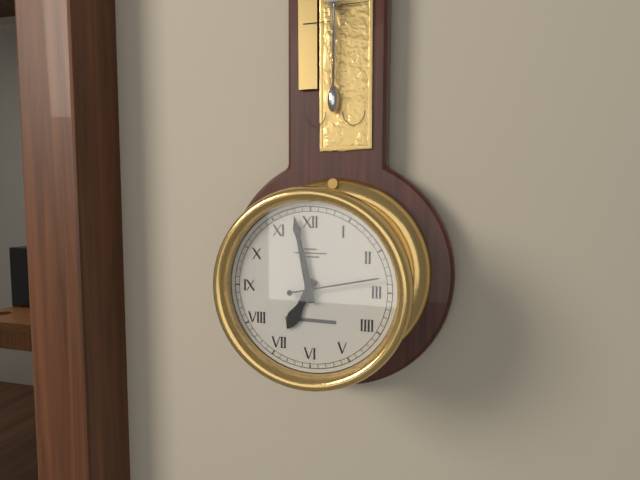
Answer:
{"hour": 6, "minute": 58, "second": 13}
